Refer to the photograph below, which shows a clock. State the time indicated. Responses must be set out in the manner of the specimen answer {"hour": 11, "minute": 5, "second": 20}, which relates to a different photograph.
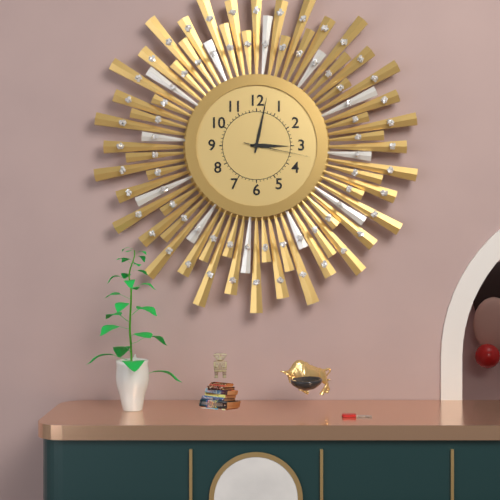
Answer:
{"hour": 3, "minute": 2, "second": 17}
